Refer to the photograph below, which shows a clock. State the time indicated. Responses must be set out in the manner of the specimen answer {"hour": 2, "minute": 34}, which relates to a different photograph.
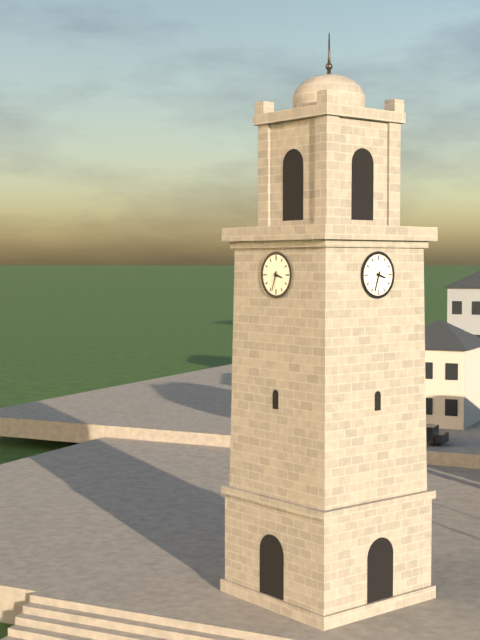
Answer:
{"hour": 3, "minute": 33}
